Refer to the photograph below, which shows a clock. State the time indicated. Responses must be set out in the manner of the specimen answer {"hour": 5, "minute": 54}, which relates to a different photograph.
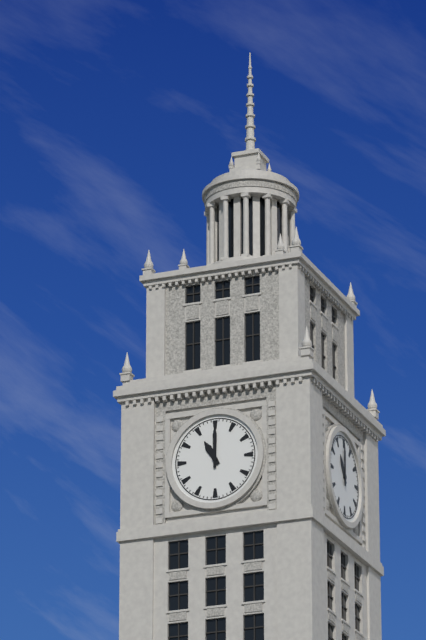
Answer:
{"hour": 11, "minute": 0}
